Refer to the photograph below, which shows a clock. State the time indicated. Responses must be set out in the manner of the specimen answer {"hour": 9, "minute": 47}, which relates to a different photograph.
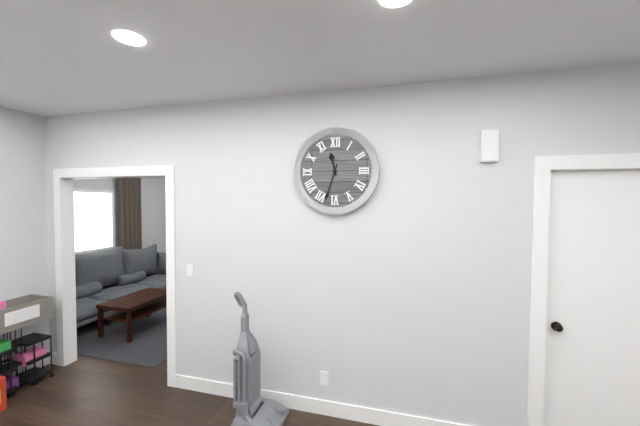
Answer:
{"hour": 11, "minute": 33}
